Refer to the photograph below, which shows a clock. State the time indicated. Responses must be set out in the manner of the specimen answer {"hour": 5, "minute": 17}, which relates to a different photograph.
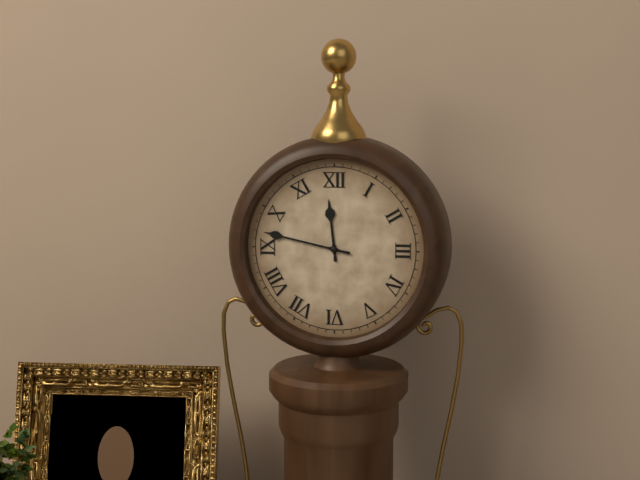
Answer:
{"hour": 11, "minute": 47}
